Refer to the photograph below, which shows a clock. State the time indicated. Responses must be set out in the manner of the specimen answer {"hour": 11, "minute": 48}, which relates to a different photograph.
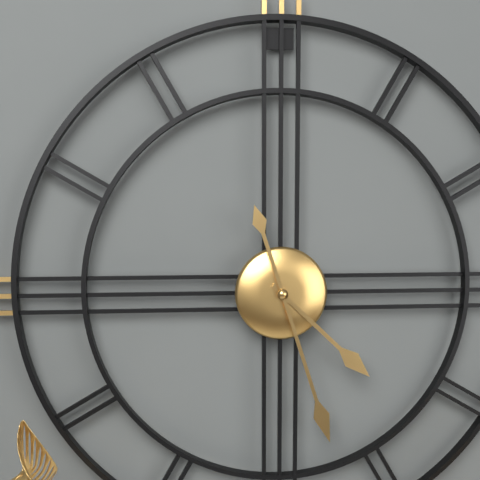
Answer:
{"hour": 4, "minute": 27}
